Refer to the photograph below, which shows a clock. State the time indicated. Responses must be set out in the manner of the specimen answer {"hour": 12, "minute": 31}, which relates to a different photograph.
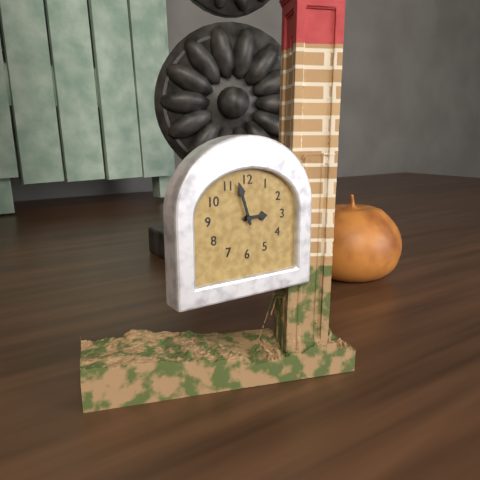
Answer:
{"hour": 2, "minute": 57}
